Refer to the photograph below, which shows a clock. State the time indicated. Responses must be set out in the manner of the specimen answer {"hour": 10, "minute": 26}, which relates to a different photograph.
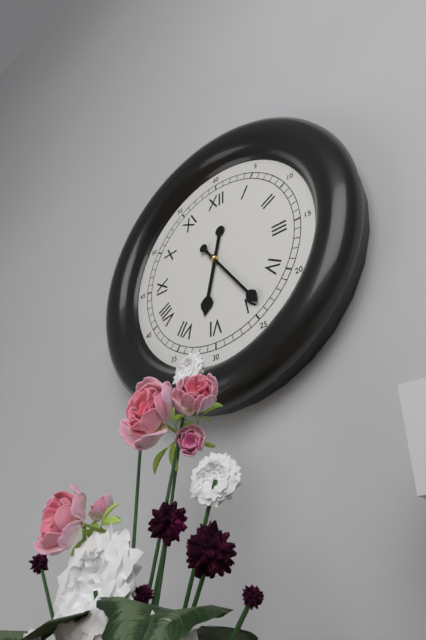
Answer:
{"hour": 6, "minute": 24}
